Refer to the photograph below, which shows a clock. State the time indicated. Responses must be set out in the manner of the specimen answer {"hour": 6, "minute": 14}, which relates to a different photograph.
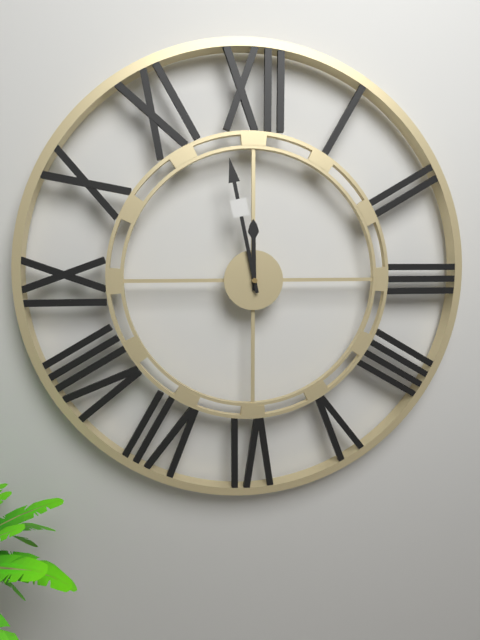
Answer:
{"hour": 11, "minute": 58}
